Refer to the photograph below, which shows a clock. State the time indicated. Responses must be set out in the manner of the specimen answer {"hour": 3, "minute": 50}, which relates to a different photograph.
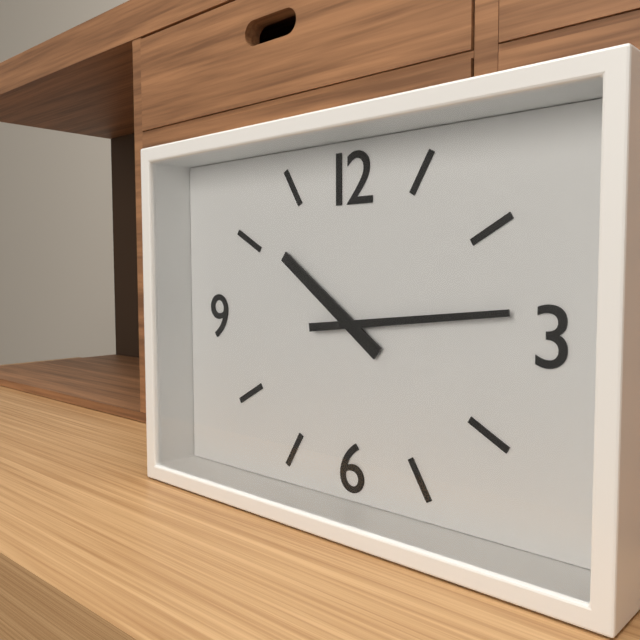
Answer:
{"hour": 10, "minute": 14}
